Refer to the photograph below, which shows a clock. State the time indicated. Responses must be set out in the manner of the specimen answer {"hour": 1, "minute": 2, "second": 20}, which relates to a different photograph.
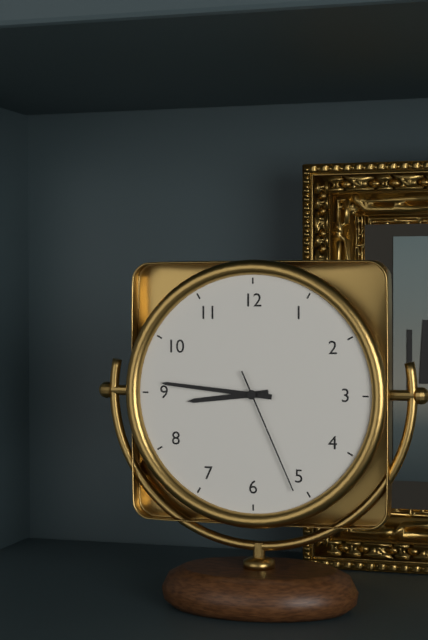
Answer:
{"hour": 8, "minute": 46, "second": 26}
